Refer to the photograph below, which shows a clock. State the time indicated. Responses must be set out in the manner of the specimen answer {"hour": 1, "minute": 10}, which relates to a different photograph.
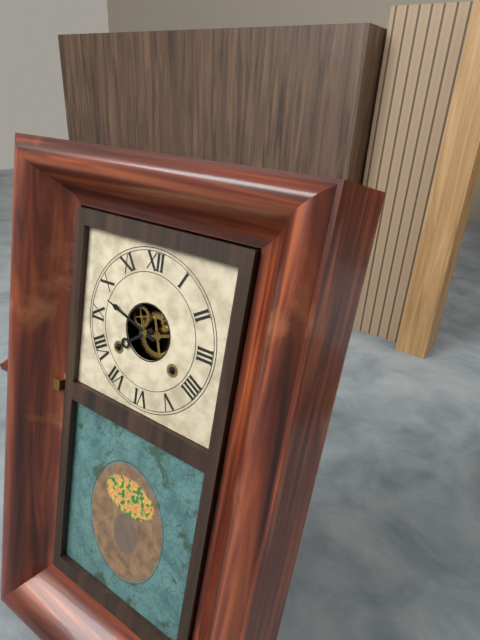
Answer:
{"hour": 7, "minute": 48}
